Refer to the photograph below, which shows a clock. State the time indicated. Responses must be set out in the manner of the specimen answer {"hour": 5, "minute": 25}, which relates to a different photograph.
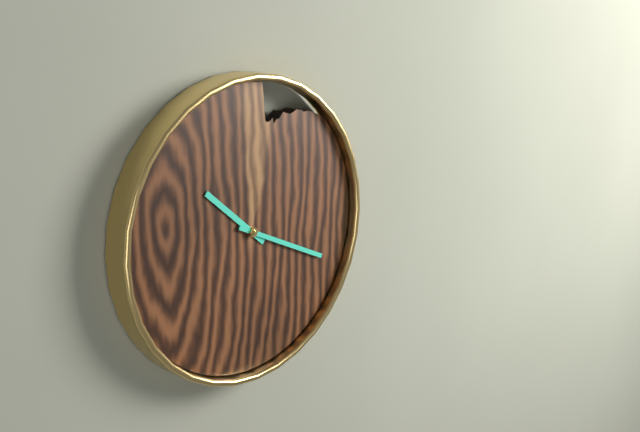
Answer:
{"hour": 10, "minute": 19}
